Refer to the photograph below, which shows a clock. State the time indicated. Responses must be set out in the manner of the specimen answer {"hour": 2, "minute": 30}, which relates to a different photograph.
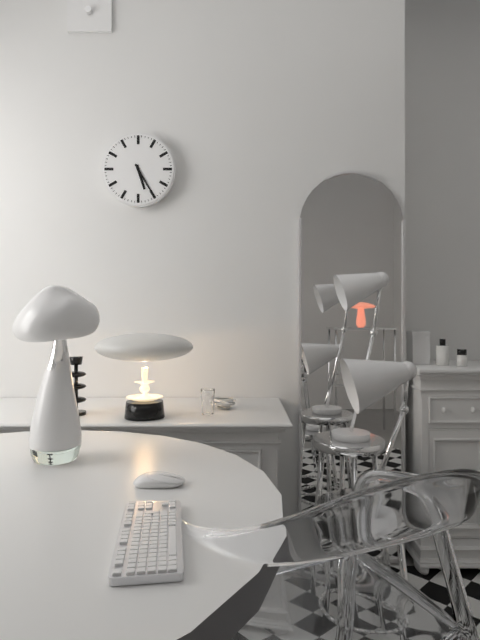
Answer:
{"hour": 5, "minute": 25}
